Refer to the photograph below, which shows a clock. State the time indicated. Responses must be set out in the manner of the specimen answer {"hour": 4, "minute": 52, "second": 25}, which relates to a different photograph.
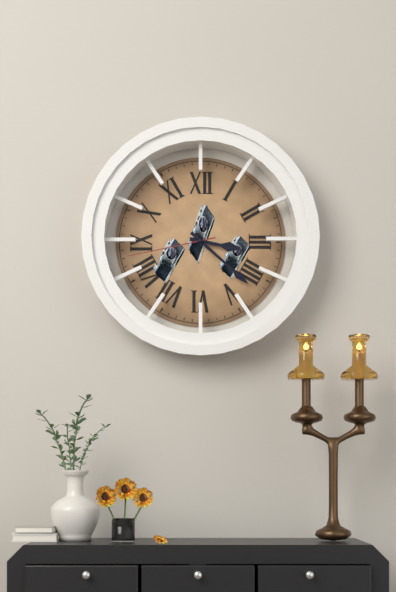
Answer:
{"hour": 3, "minute": 22, "second": 43}
